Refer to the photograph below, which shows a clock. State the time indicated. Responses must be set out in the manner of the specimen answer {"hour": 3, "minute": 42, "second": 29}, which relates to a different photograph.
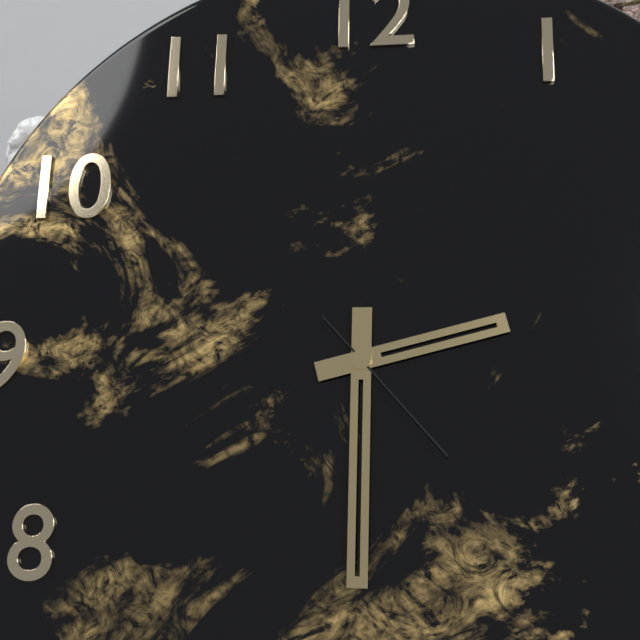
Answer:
{"hour": 2, "minute": 30, "second": 23}
